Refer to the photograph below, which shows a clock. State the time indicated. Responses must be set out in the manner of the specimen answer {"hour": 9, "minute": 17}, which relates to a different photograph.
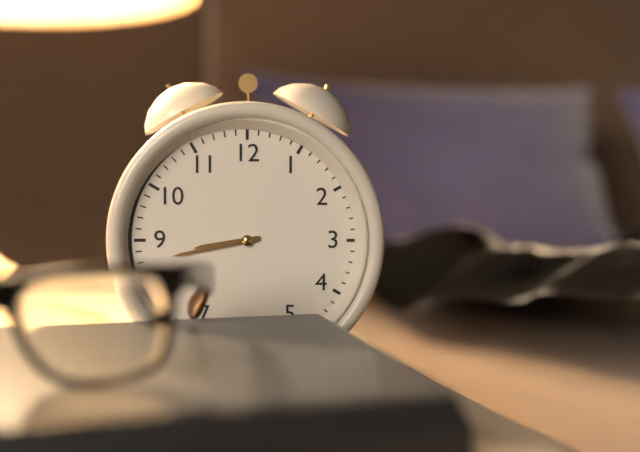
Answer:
{"hour": 8, "minute": 43}
